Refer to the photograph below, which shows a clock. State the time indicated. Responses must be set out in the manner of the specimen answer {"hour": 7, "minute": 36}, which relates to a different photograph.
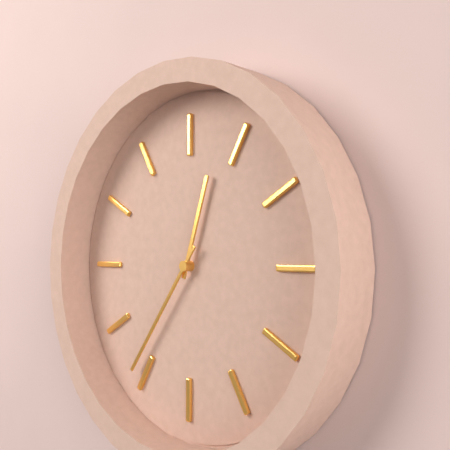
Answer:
{"hour": 12, "minute": 36}
